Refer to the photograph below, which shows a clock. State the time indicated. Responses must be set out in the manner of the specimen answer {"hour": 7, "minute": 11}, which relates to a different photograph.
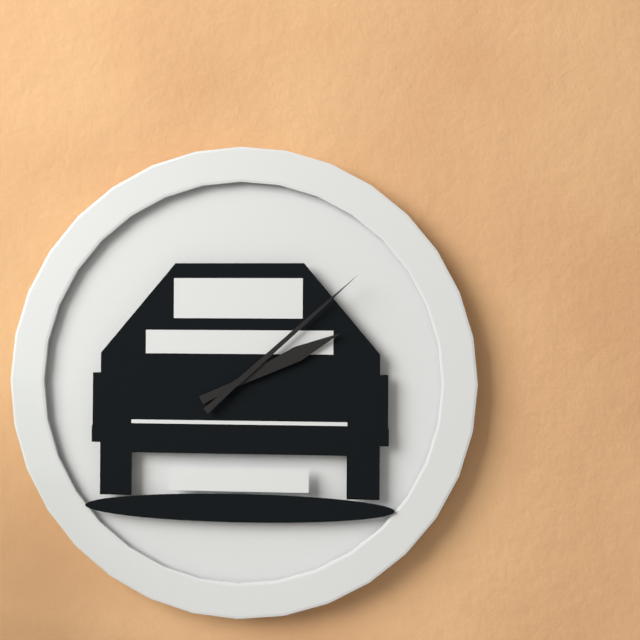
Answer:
{"hour": 2, "minute": 8}
